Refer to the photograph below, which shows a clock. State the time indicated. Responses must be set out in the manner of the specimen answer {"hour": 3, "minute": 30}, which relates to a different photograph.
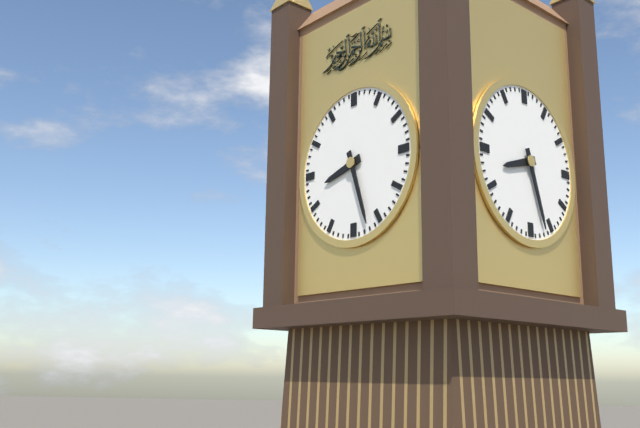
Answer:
{"hour": 8, "minute": 27}
